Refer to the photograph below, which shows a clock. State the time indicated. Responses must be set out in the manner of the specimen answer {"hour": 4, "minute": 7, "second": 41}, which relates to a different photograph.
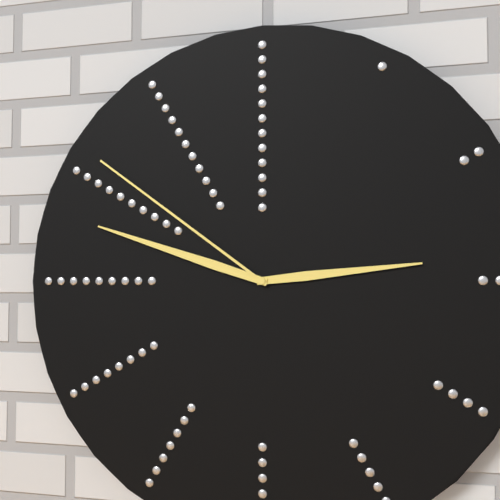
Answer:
{"hour": 2, "minute": 48, "second": 51}
